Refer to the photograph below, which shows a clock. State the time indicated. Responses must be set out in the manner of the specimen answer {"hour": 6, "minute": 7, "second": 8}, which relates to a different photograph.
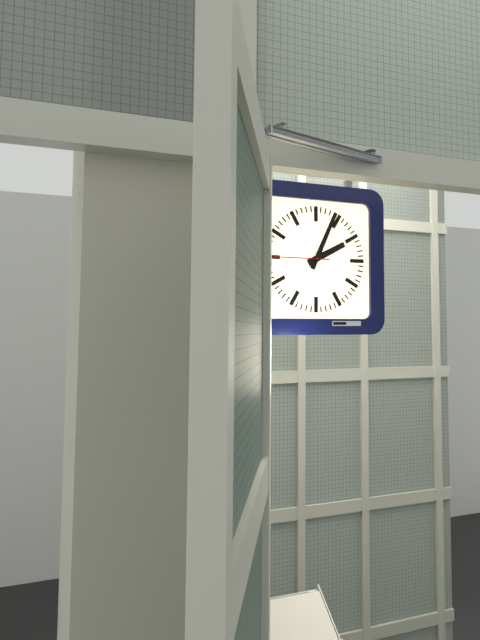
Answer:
{"hour": 2, "minute": 4, "second": 45}
